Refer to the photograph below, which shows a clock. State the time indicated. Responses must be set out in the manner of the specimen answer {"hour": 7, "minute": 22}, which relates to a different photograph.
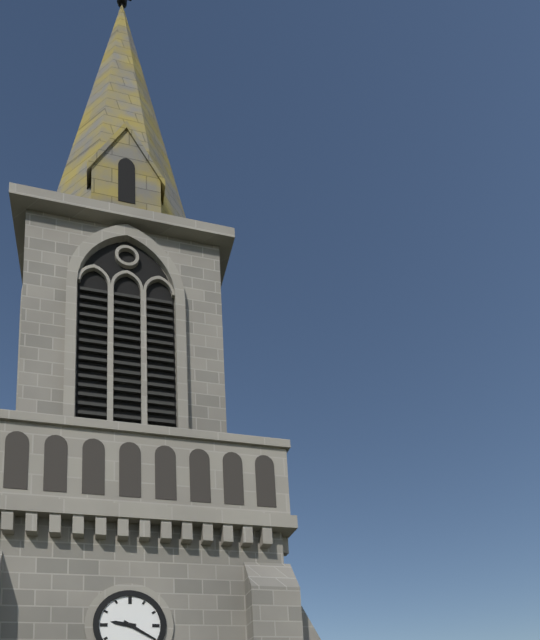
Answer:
{"hour": 9, "minute": 20}
